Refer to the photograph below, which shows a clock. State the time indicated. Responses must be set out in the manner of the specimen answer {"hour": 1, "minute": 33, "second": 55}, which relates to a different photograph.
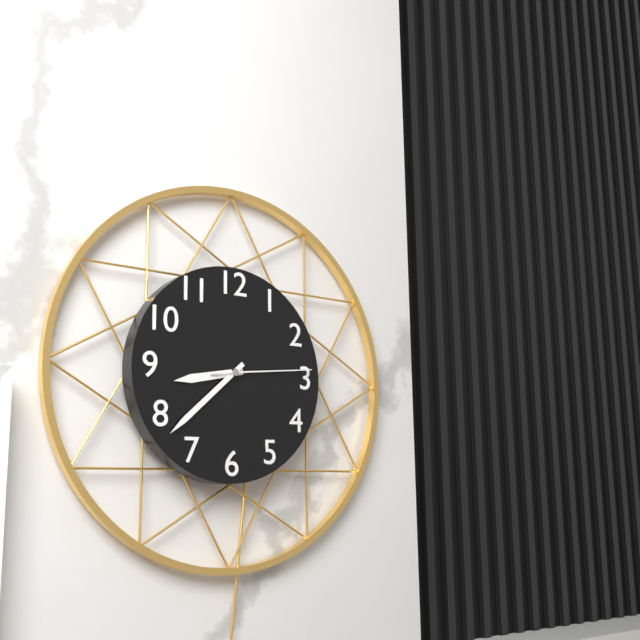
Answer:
{"hour": 8, "minute": 38, "second": 14}
